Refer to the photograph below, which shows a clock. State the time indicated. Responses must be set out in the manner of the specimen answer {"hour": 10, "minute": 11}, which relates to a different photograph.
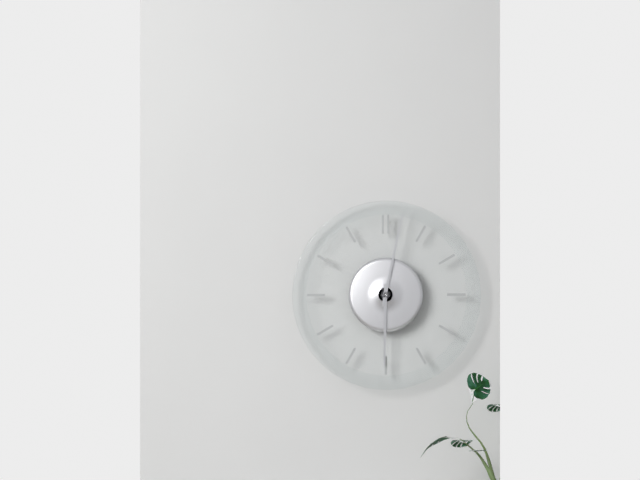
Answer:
{"hour": 6, "minute": 2}
